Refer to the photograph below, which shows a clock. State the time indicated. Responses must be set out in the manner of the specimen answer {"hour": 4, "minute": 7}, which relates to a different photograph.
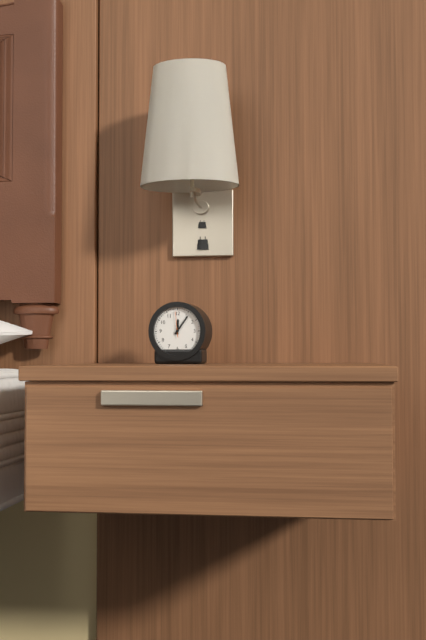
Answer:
{"hour": 12, "minute": 6}
